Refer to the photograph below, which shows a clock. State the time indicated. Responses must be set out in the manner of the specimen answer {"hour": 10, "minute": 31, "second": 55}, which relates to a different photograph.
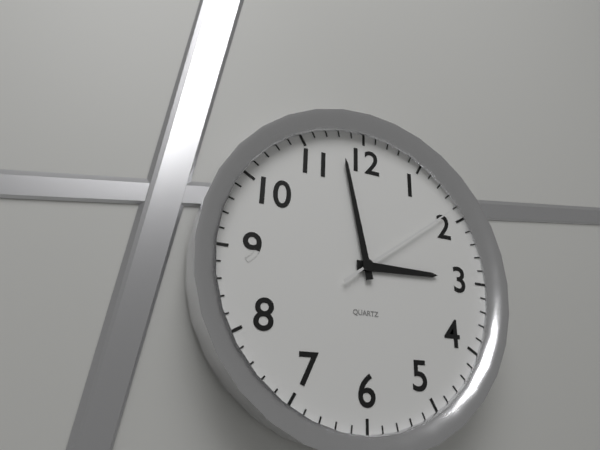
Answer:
{"hour": 2, "minute": 58, "second": 9}
